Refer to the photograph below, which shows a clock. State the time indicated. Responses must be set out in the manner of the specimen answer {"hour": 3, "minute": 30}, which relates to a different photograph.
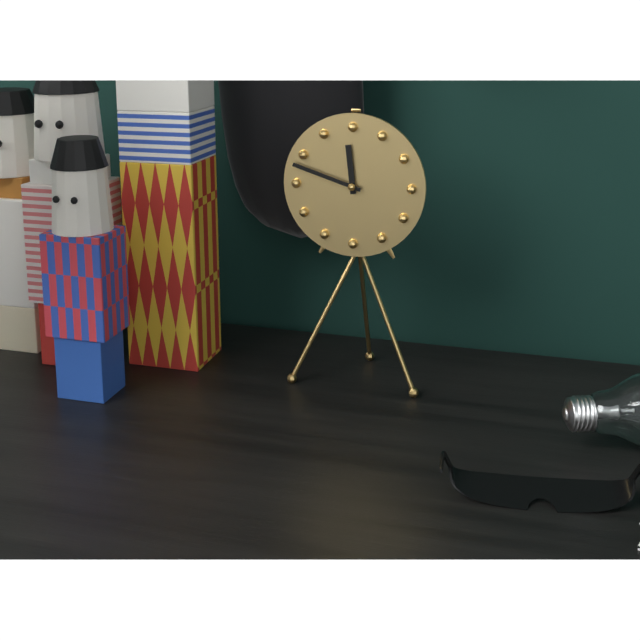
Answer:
{"hour": 11, "minute": 48}
